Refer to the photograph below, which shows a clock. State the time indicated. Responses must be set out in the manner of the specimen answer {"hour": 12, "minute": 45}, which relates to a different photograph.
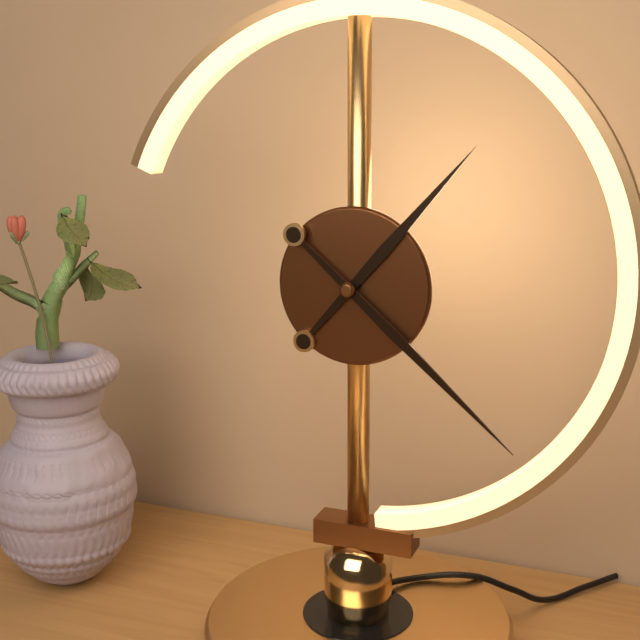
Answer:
{"hour": 1, "minute": 22}
